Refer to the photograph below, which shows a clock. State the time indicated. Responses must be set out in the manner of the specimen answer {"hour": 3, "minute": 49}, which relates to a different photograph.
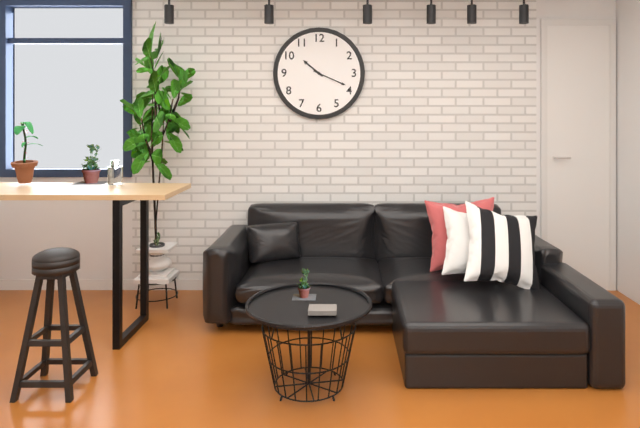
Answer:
{"hour": 10, "minute": 19}
